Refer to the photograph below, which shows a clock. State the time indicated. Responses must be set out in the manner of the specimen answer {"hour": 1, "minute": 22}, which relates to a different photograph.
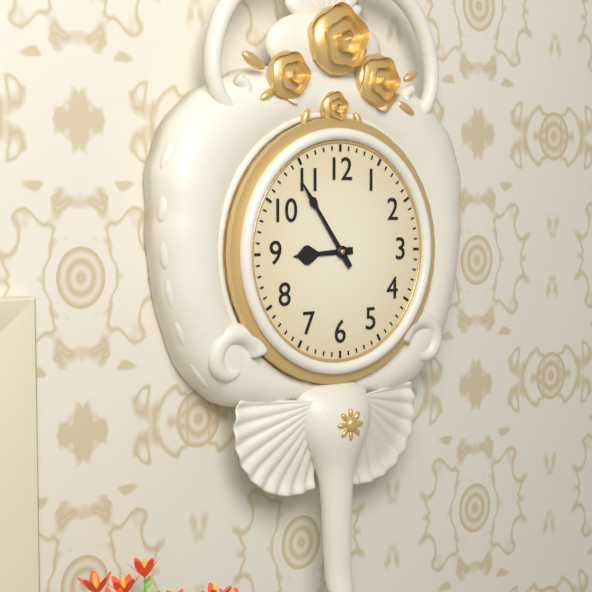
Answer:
{"hour": 8, "minute": 54}
